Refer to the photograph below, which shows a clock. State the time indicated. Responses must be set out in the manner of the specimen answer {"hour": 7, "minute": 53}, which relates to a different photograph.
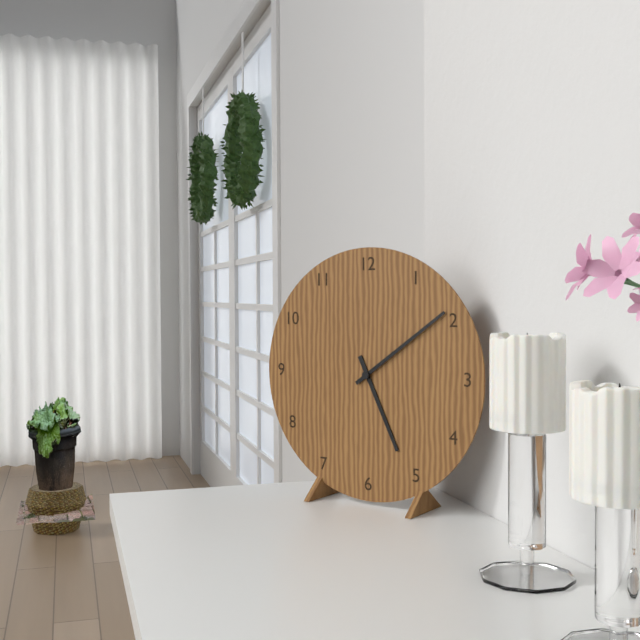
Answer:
{"hour": 5, "minute": 9}
